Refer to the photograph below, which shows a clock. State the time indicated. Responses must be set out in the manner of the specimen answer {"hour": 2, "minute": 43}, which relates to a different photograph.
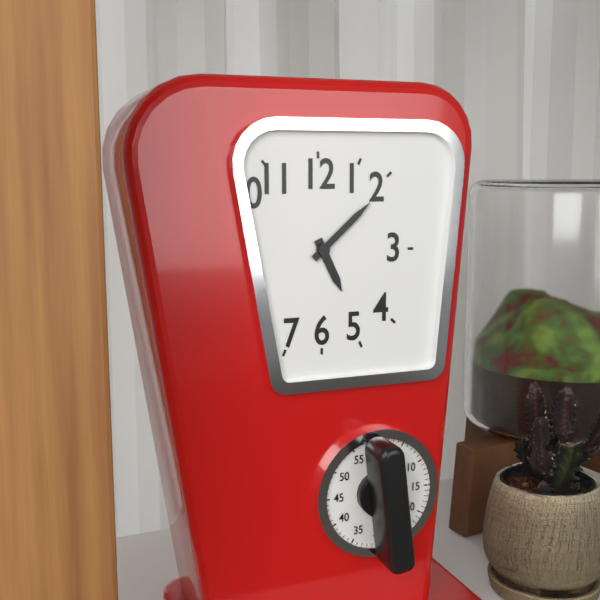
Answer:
{"hour": 5, "minute": 8}
